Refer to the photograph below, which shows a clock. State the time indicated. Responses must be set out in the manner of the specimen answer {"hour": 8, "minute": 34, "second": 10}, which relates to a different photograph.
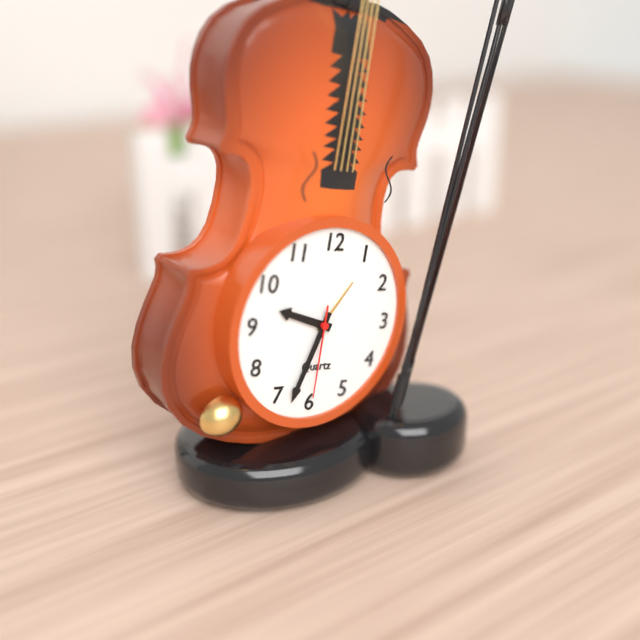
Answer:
{"hour": 9, "minute": 33, "second": 30}
